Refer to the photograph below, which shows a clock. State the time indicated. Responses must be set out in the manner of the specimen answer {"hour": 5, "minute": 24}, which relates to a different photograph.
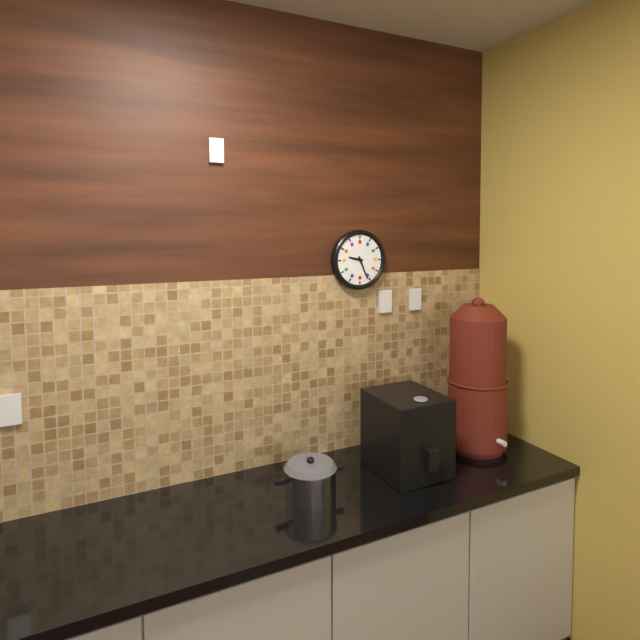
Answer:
{"hour": 9, "minute": 26}
